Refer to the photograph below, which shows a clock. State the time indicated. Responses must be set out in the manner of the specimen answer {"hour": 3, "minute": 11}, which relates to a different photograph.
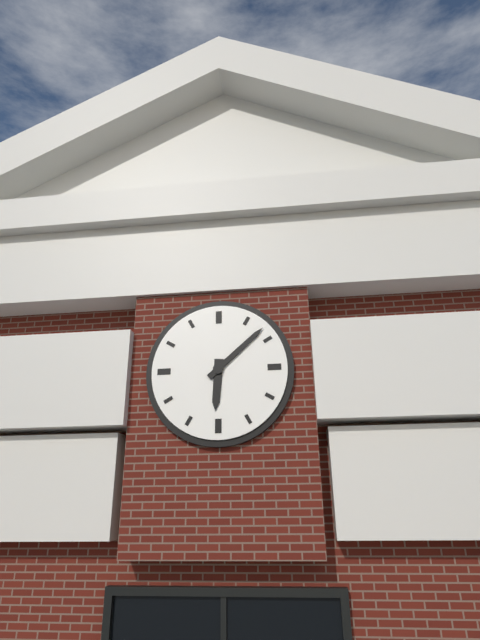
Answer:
{"hour": 6, "minute": 8}
